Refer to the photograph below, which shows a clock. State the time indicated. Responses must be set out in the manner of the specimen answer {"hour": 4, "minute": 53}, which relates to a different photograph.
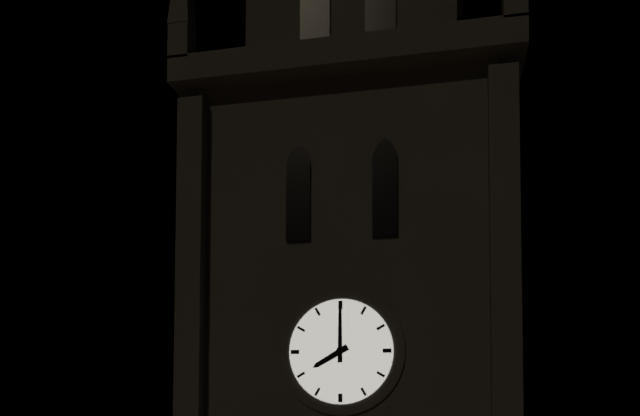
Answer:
{"hour": 8, "minute": 0}
